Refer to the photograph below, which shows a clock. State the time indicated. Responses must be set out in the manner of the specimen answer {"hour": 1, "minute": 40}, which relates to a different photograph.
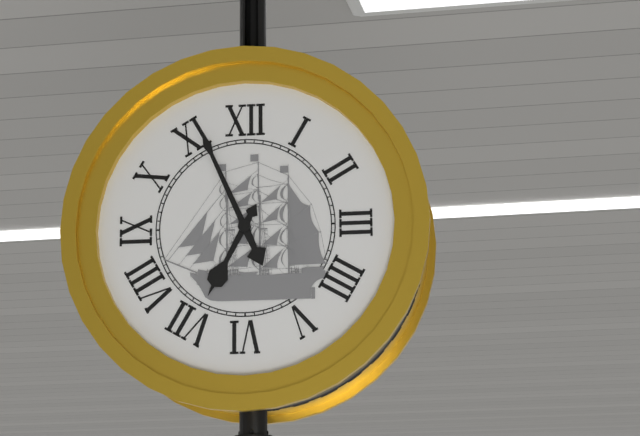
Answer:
{"hour": 6, "minute": 56}
